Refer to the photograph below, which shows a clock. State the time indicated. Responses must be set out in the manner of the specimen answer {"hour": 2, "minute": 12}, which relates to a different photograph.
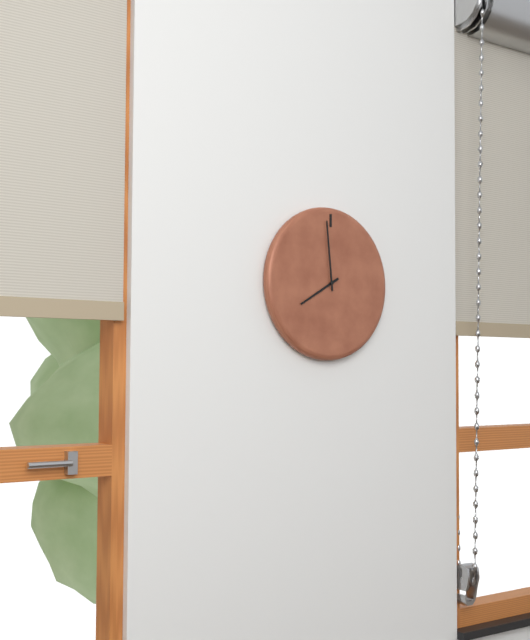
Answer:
{"hour": 7, "minute": 59}
